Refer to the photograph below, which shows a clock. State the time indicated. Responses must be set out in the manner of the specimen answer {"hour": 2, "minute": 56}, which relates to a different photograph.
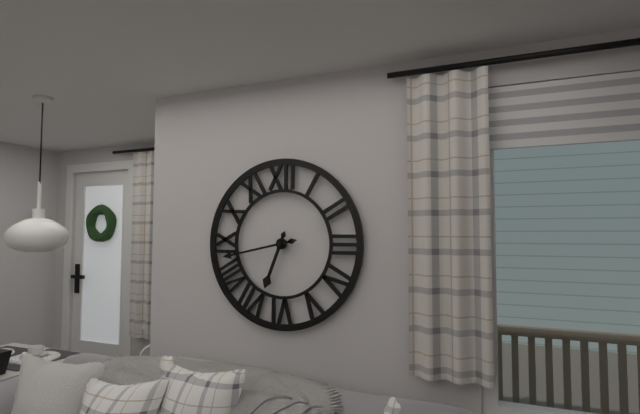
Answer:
{"hour": 6, "minute": 43}
